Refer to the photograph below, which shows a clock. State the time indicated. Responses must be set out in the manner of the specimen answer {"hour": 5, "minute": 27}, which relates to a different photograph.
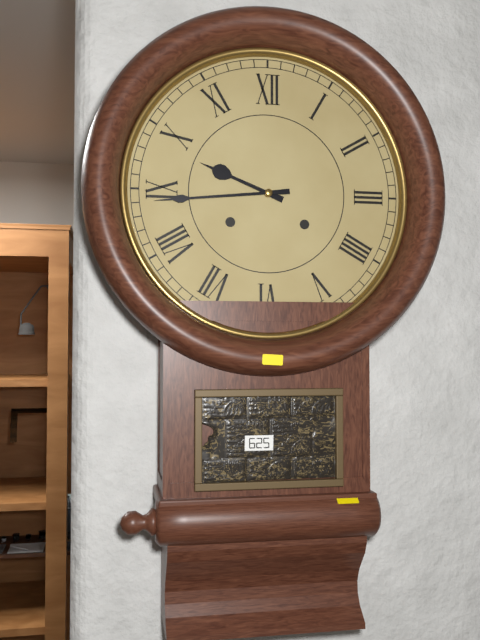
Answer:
{"hour": 9, "minute": 44}
